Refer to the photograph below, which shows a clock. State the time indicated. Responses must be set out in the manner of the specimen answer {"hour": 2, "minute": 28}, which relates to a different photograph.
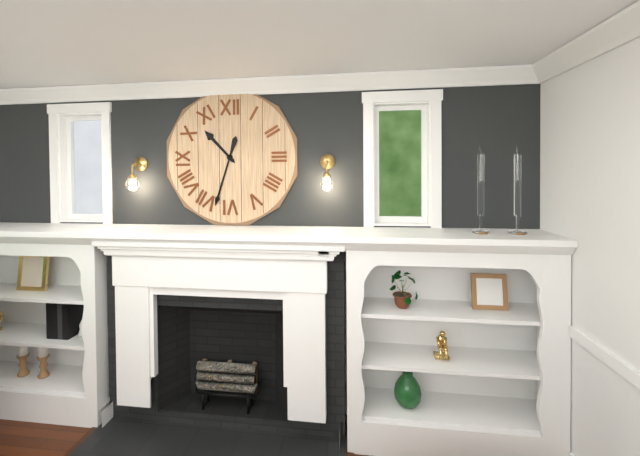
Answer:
{"hour": 10, "minute": 33}
